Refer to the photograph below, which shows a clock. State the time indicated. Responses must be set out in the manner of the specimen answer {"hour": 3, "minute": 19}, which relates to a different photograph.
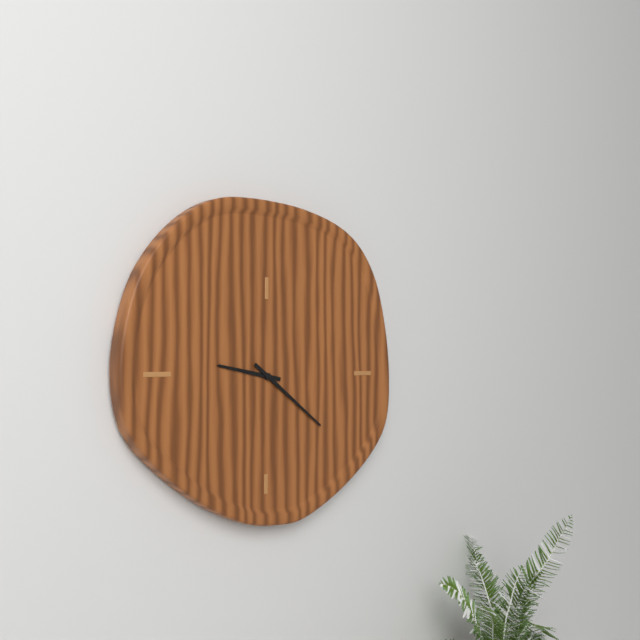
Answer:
{"hour": 9, "minute": 21}
